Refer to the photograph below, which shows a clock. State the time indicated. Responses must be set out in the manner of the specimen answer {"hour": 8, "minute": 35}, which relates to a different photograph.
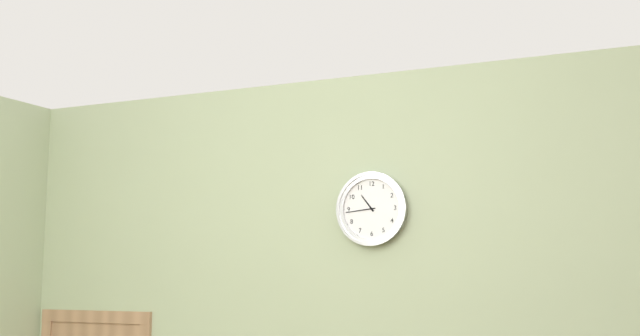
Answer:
{"hour": 10, "minute": 44}
